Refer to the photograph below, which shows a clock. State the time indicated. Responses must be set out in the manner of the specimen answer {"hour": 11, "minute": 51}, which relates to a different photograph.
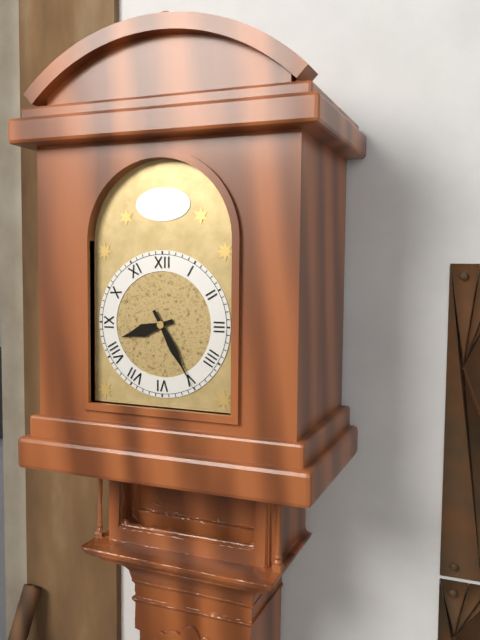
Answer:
{"hour": 8, "minute": 25}
